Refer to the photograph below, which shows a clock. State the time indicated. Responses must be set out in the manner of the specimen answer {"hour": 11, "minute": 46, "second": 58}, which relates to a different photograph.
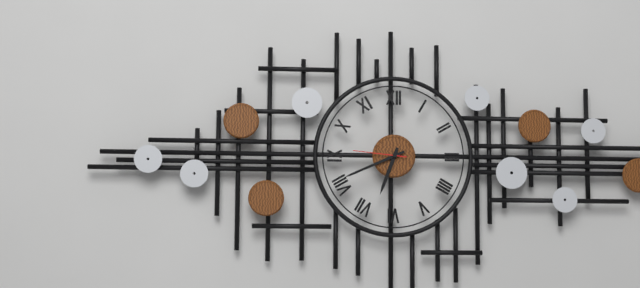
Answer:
{"hour": 6, "minute": 41, "second": 46}
